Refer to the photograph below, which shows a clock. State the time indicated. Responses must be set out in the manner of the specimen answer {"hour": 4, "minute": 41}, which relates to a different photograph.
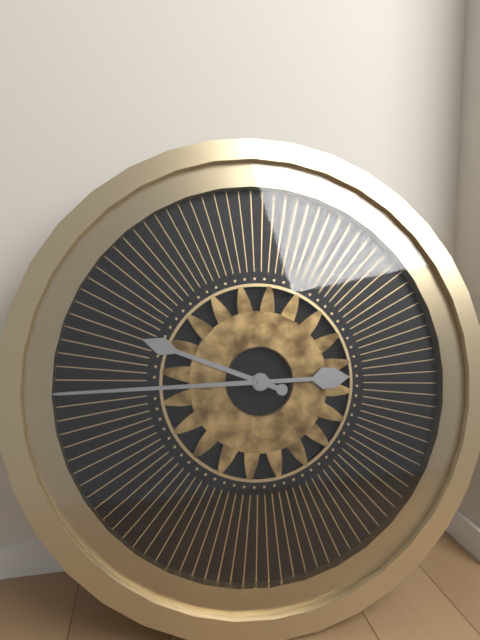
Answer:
{"hour": 9, "minute": 45}
